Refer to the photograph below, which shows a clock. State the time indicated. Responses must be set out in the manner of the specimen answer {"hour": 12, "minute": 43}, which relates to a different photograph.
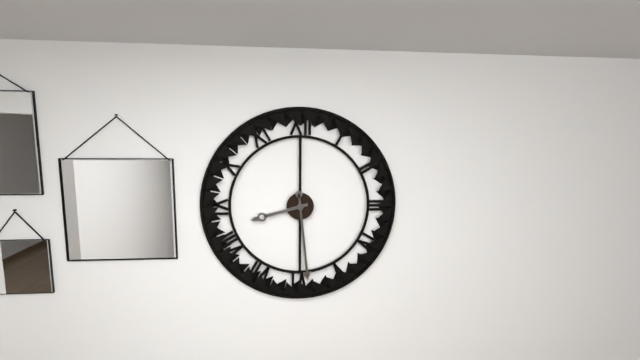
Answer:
{"hour": 8, "minute": 29}
